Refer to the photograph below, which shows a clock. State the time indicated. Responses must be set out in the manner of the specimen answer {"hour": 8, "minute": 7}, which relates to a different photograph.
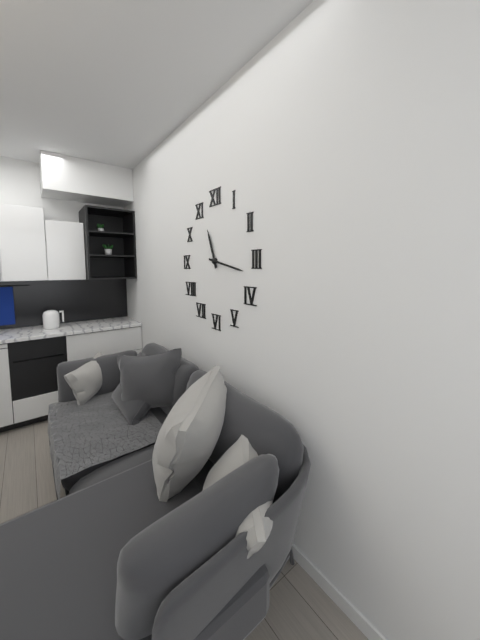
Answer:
{"hour": 11, "minute": 17}
